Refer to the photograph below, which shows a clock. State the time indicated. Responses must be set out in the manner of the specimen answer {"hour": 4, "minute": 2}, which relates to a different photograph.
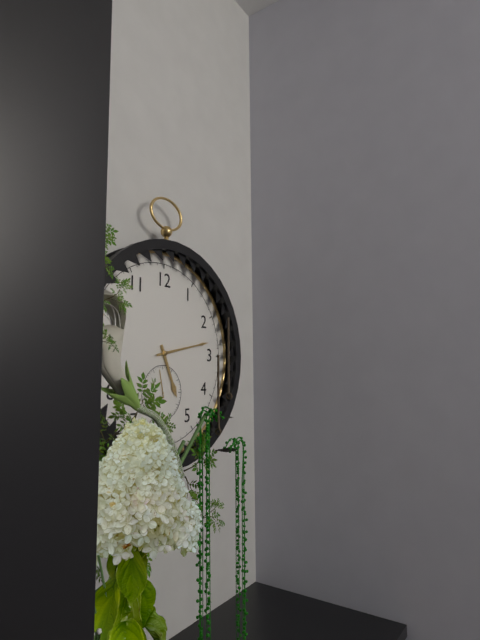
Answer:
{"hour": 5, "minute": 13}
